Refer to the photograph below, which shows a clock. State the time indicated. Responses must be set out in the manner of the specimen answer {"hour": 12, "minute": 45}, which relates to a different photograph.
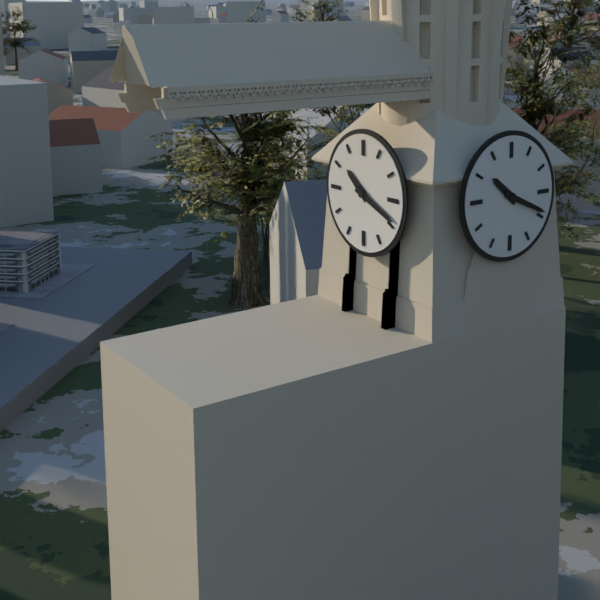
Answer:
{"hour": 10, "minute": 19}
